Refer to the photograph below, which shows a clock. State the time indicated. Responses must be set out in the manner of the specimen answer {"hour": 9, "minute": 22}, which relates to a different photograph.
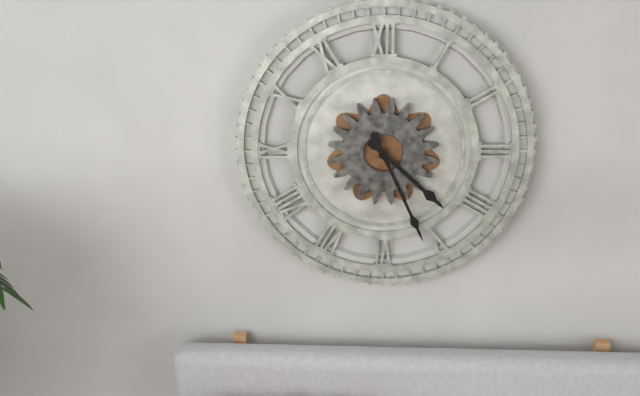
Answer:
{"hour": 4, "minute": 26}
